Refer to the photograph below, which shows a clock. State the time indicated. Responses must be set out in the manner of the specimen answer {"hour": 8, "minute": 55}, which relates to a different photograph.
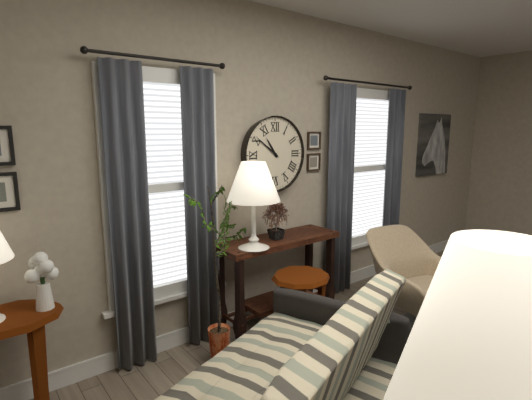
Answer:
{"hour": 10, "minute": 51}
